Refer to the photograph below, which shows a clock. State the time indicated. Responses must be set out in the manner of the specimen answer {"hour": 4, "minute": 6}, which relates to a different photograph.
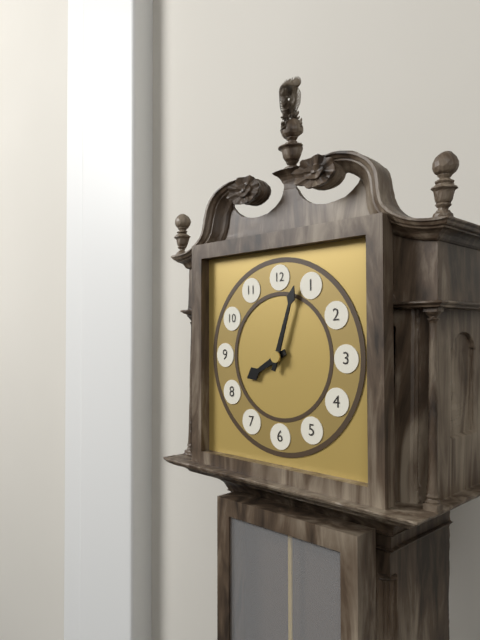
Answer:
{"hour": 8, "minute": 3}
